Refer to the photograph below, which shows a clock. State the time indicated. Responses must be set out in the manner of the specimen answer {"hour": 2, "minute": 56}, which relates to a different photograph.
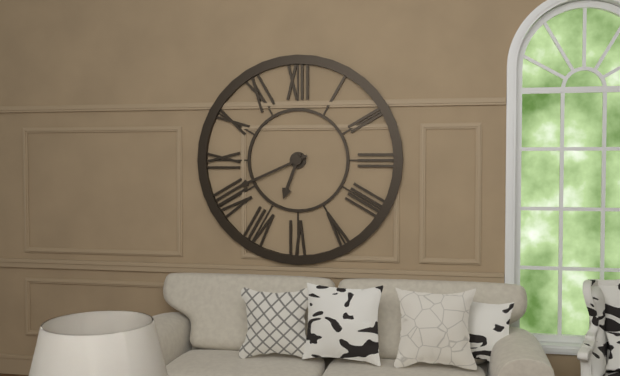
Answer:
{"hour": 6, "minute": 41}
